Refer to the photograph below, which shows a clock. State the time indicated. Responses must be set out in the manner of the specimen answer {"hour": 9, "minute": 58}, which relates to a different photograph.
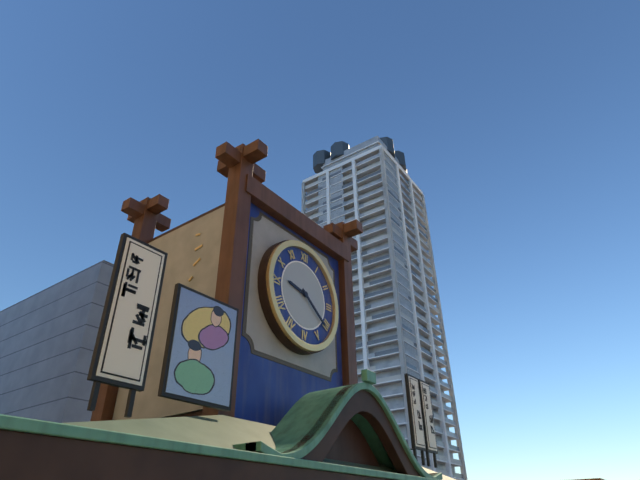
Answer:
{"hour": 9, "minute": 21}
